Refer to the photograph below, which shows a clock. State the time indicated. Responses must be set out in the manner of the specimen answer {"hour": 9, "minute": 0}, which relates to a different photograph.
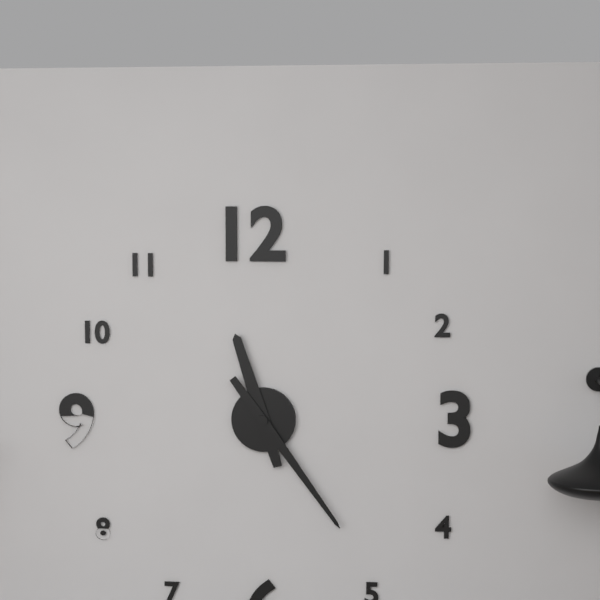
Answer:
{"hour": 11, "minute": 24}
